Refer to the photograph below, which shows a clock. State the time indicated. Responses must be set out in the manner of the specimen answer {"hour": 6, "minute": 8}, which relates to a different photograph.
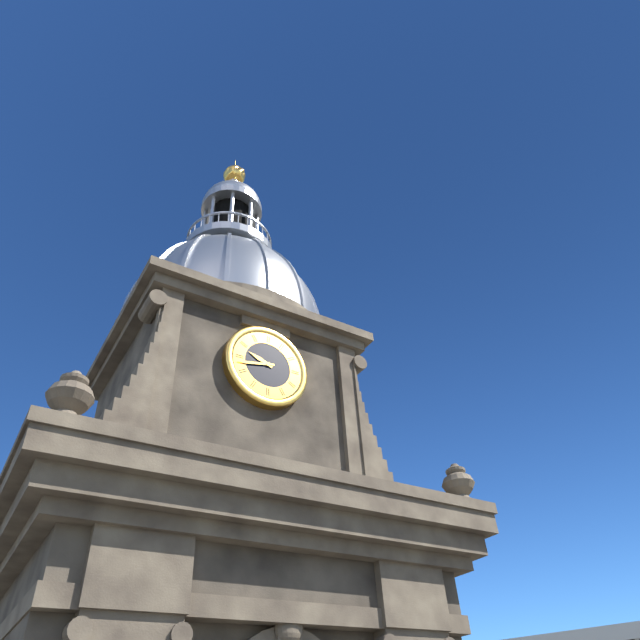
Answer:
{"hour": 9, "minute": 43}
